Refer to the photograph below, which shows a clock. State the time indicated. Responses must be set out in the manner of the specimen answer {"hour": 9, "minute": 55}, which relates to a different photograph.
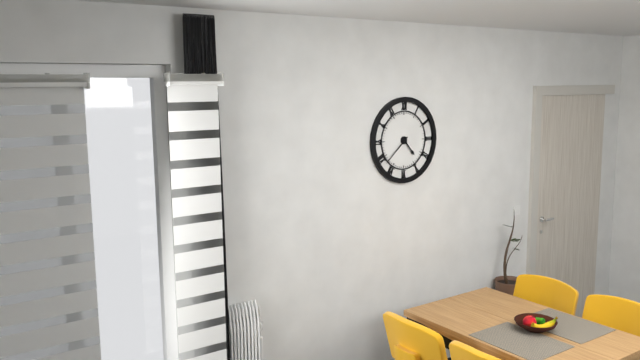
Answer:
{"hour": 4, "minute": 38}
